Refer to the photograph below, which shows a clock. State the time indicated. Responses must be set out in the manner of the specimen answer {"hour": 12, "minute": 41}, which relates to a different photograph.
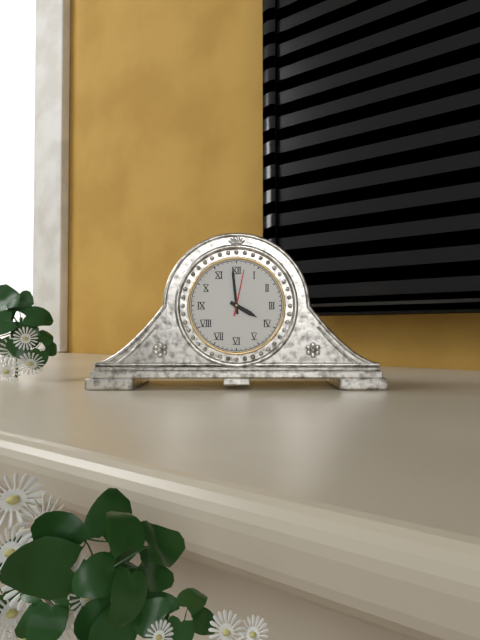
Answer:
{"hour": 3, "minute": 59}
